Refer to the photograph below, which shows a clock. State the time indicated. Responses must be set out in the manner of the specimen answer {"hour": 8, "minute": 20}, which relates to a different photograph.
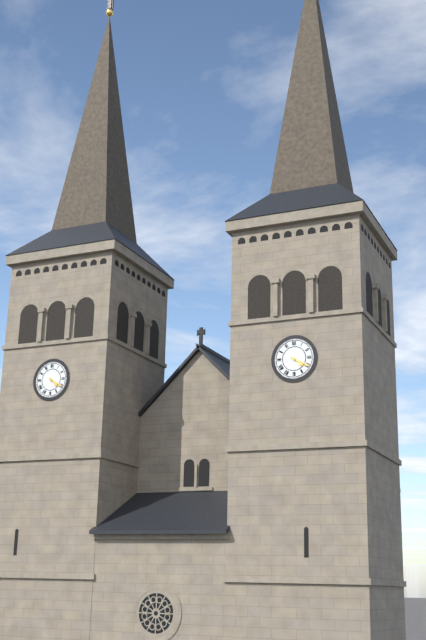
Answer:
{"hour": 4, "minute": 20}
